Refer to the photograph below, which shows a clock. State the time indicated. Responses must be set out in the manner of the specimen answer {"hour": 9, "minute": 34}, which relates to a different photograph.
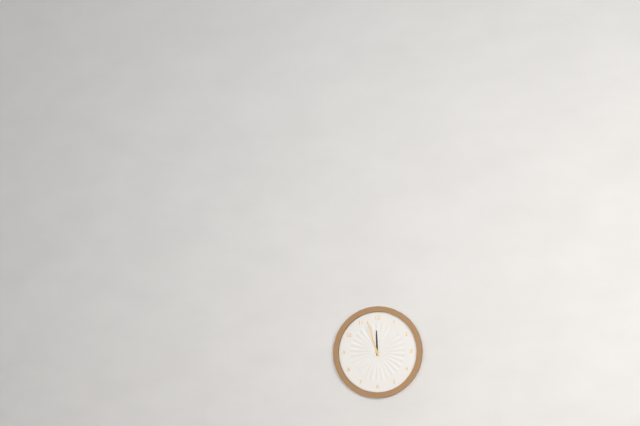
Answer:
{"hour": 11, "minute": 57}
